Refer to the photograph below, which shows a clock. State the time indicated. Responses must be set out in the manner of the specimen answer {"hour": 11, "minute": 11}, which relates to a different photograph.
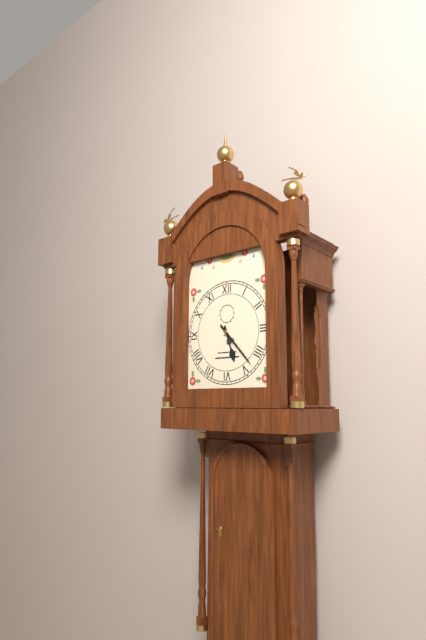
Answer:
{"hour": 5, "minute": 23}
